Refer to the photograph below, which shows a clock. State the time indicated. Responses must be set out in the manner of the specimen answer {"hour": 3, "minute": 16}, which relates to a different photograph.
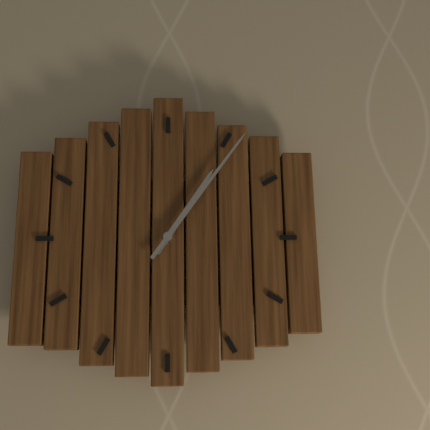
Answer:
{"hour": 1, "minute": 6}
